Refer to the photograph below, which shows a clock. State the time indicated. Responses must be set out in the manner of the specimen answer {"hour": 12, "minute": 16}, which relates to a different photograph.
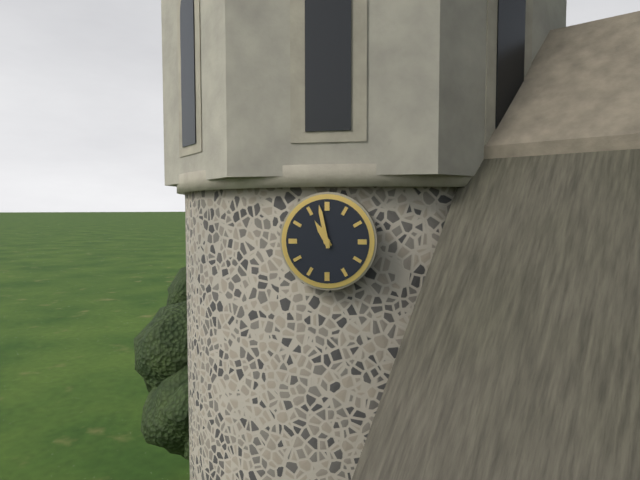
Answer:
{"hour": 10, "minute": 58}
